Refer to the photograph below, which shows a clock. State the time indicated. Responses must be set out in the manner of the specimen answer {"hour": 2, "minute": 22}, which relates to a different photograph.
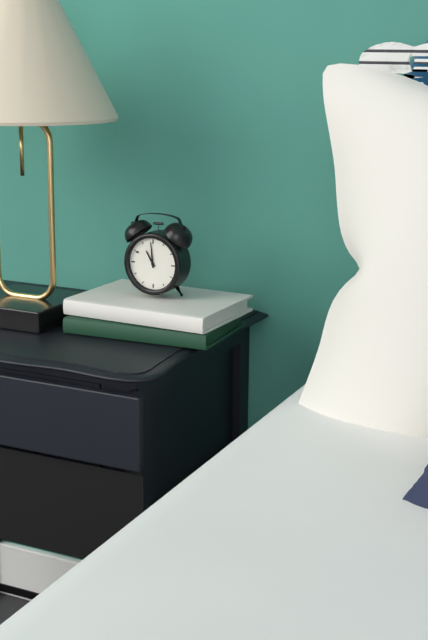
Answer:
{"hour": 10, "minute": 59}
